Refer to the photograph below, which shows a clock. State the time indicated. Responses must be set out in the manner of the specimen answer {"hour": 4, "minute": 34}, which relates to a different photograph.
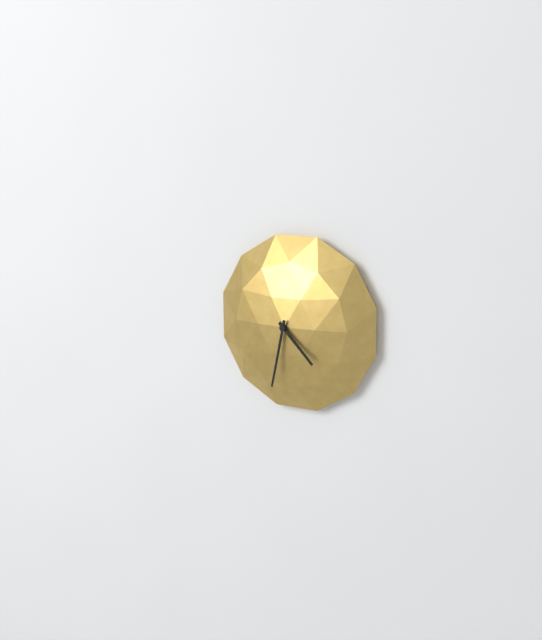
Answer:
{"hour": 4, "minute": 32}
